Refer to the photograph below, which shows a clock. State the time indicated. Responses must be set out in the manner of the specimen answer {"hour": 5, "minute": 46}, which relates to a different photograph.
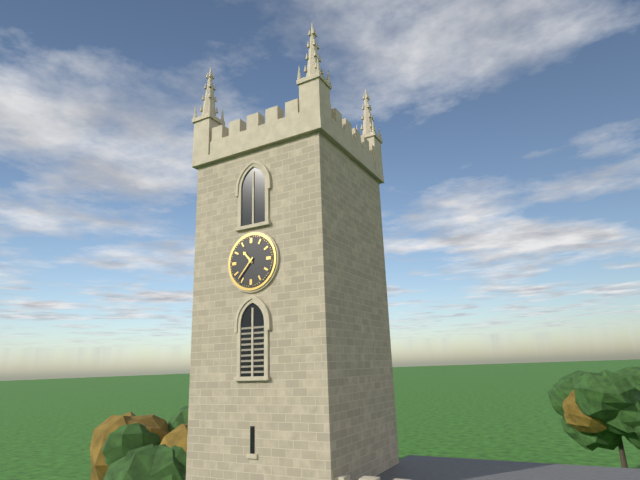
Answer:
{"hour": 10, "minute": 37}
